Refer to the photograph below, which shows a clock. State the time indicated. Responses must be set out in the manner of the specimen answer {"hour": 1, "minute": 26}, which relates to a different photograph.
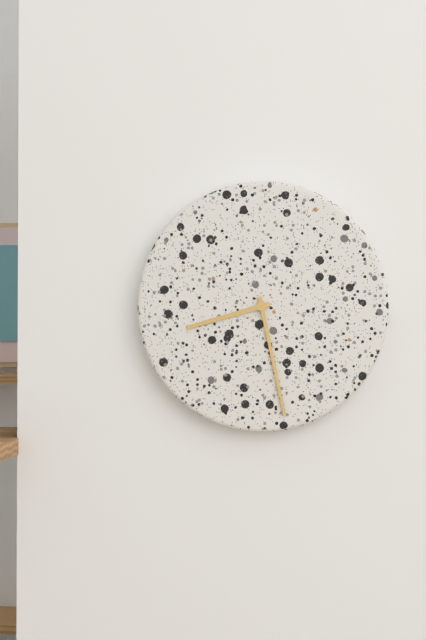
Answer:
{"hour": 8, "minute": 28}
